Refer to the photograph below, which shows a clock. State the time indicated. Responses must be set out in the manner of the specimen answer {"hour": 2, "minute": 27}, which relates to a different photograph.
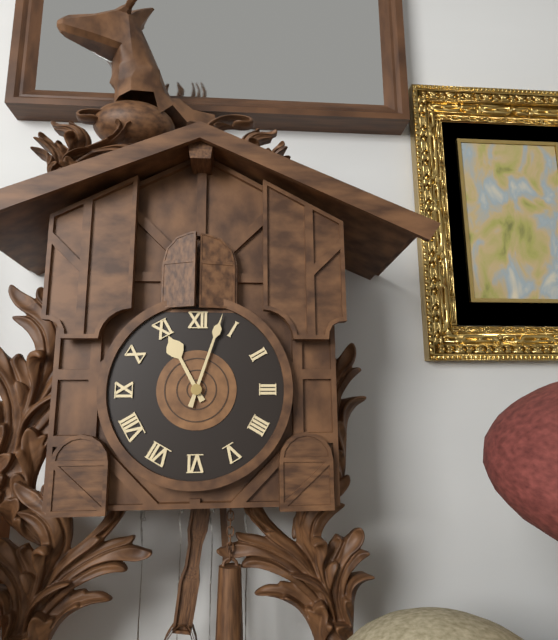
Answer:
{"hour": 11, "minute": 3}
